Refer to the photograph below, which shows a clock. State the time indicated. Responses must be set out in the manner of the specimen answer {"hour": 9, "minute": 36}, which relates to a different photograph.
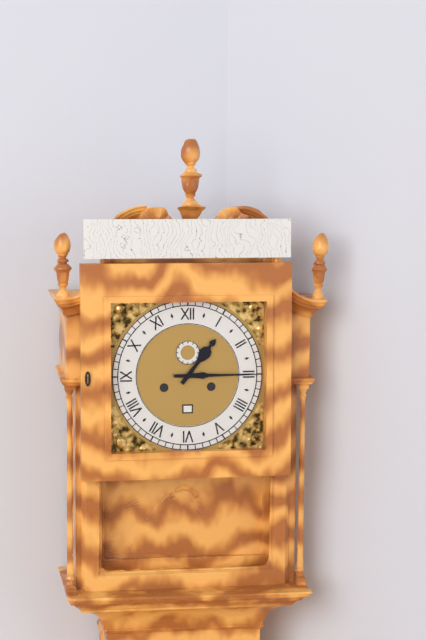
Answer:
{"hour": 1, "minute": 15}
